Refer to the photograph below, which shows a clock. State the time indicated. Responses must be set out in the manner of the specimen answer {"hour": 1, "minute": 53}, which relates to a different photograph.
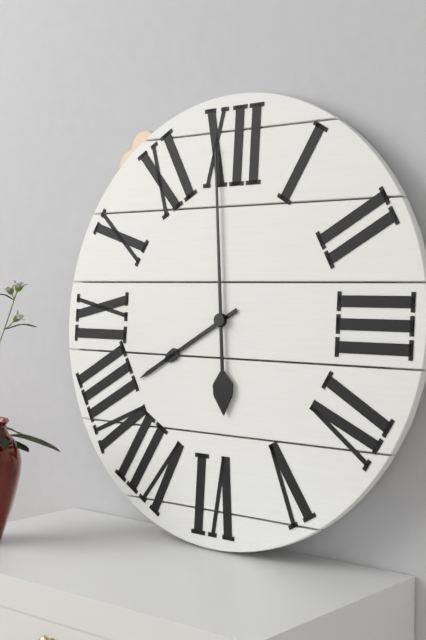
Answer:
{"hour": 7, "minute": 59}
